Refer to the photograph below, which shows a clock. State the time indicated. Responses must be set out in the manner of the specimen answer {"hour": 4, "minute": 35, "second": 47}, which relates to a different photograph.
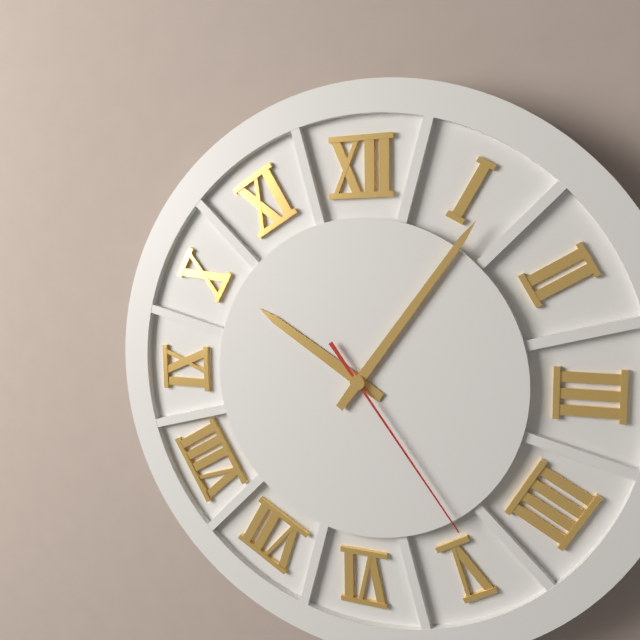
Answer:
{"hour": 10, "minute": 6, "second": 24}
